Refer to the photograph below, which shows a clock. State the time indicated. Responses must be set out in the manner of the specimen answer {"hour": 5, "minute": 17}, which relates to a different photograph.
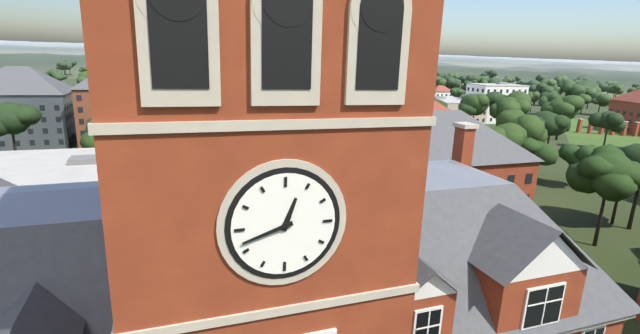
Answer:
{"hour": 12, "minute": 42}
